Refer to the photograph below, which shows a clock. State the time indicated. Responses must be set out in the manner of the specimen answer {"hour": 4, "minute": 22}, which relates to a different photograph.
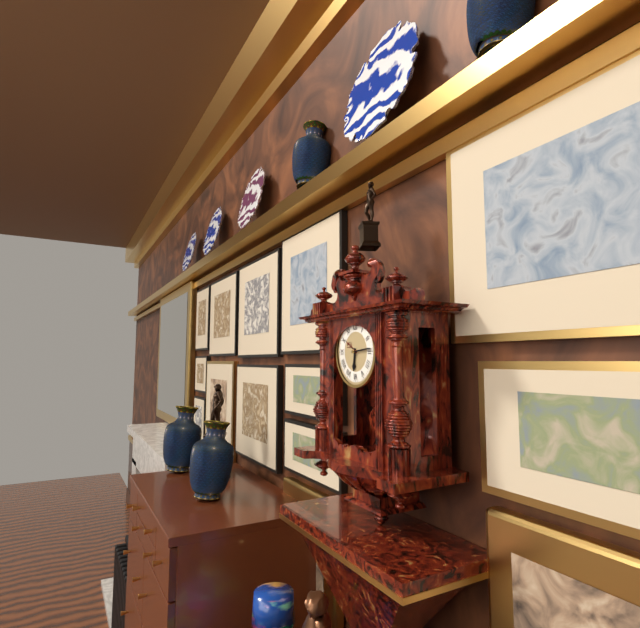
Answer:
{"hour": 6, "minute": 14}
